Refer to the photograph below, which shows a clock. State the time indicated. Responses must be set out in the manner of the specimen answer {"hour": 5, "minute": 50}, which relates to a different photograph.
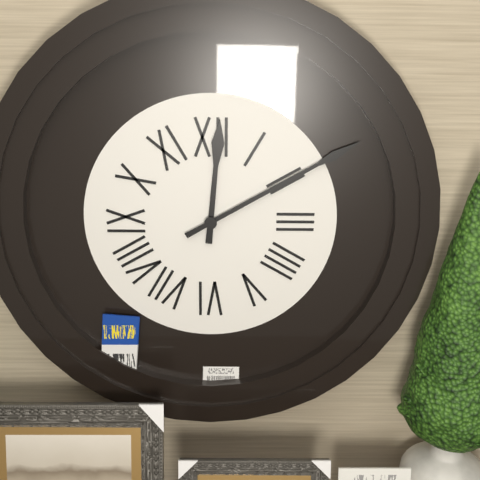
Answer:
{"hour": 12, "minute": 10}
